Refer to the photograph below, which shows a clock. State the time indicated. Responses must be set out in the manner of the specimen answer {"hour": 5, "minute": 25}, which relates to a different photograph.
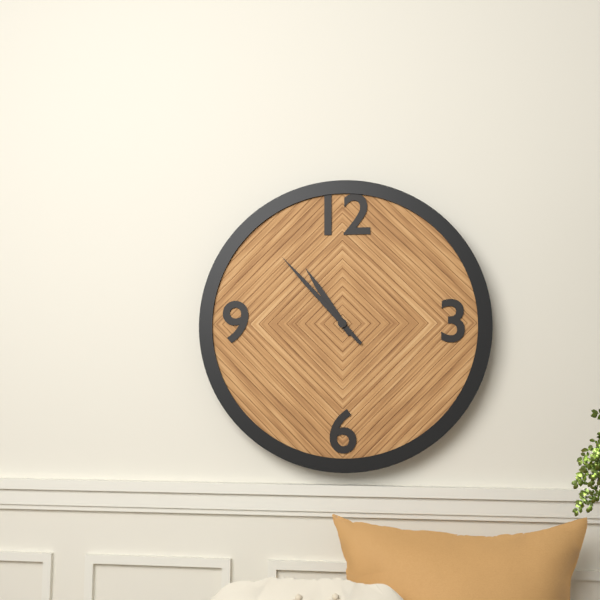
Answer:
{"hour": 10, "minute": 53}
